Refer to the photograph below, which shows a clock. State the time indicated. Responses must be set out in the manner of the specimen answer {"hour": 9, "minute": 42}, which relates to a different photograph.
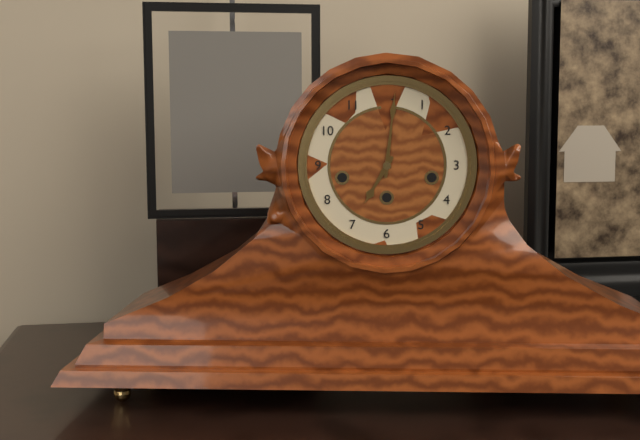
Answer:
{"hour": 7, "minute": 1}
